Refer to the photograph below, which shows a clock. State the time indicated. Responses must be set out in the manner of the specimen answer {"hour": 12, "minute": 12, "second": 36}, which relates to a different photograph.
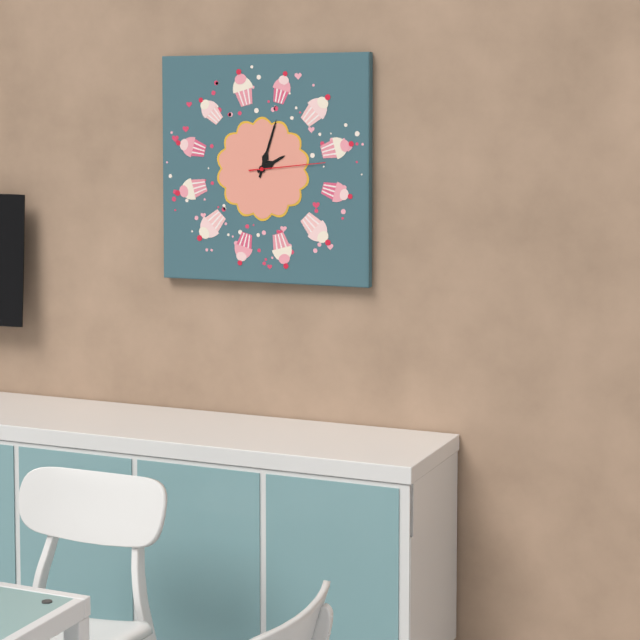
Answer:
{"hour": 2, "minute": 3, "second": 14}
